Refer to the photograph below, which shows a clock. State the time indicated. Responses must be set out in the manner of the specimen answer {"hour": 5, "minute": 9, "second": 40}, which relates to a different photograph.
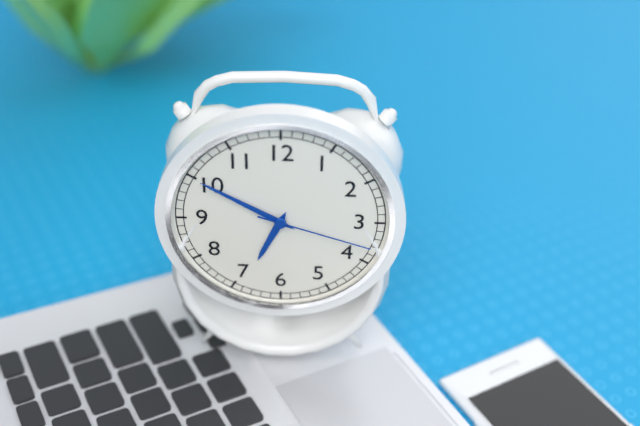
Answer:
{"hour": 6, "minute": 50, "second": 18}
